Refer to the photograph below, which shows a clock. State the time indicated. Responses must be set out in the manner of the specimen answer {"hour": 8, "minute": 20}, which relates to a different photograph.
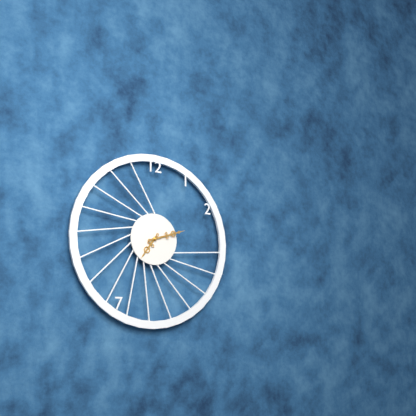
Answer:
{"hour": 7, "minute": 12}
